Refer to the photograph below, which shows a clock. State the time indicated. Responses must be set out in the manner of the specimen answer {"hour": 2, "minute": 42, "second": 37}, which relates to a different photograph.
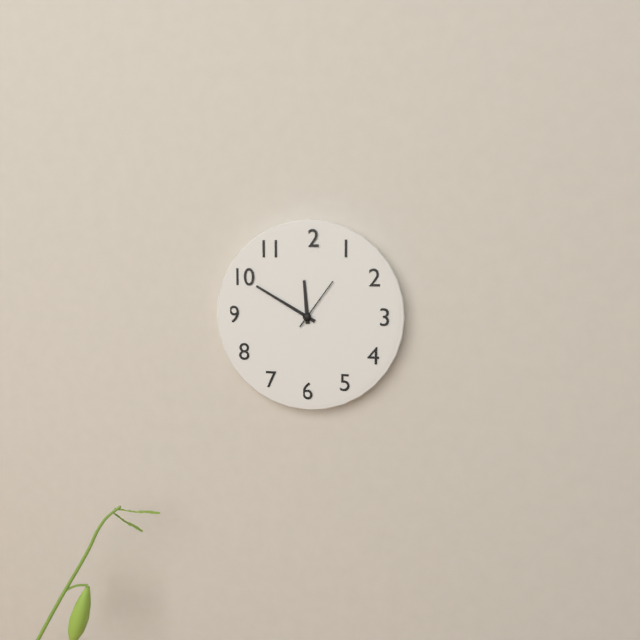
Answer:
{"hour": 11, "minute": 50, "second": 6}
